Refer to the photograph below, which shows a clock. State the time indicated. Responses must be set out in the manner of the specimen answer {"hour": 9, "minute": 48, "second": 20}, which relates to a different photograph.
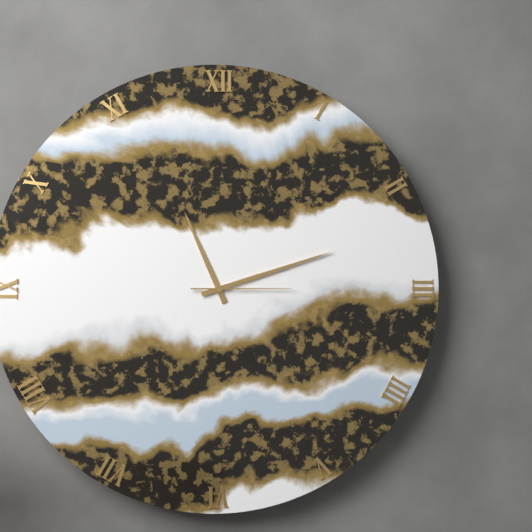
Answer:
{"hour": 11, "minute": 12, "second": 15}
